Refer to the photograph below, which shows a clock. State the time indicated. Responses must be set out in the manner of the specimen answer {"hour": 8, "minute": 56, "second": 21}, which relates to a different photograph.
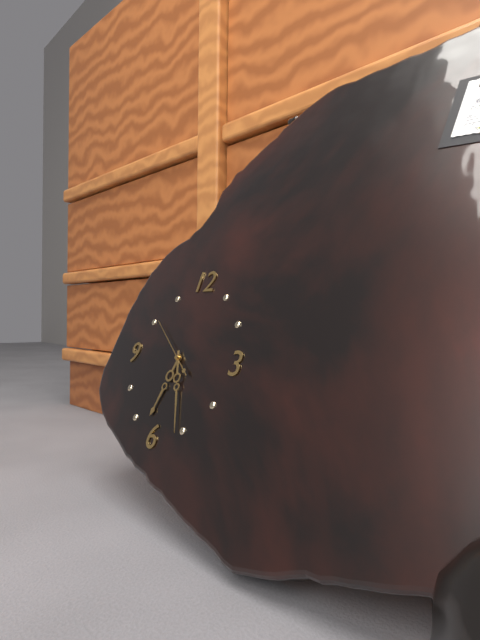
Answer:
{"hour": 6, "minute": 26, "second": 51}
